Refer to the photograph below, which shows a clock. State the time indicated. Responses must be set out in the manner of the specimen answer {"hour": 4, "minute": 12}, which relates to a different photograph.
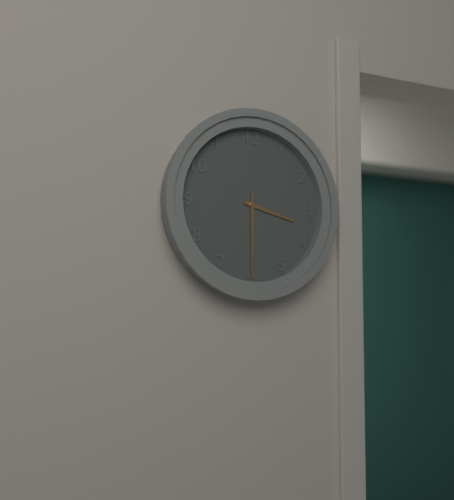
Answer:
{"hour": 3, "minute": 30}
